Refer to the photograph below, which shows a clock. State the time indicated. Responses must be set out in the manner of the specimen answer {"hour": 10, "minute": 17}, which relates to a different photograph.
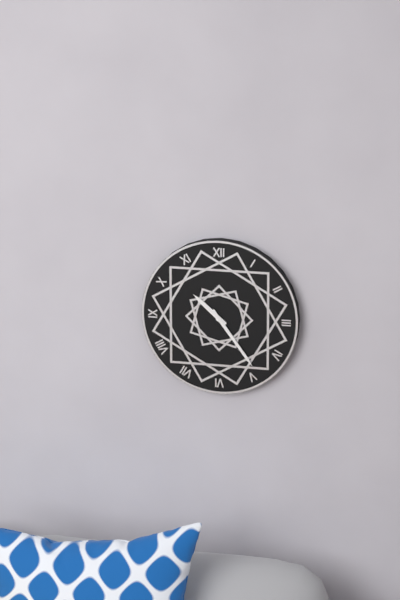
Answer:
{"hour": 10, "minute": 24}
